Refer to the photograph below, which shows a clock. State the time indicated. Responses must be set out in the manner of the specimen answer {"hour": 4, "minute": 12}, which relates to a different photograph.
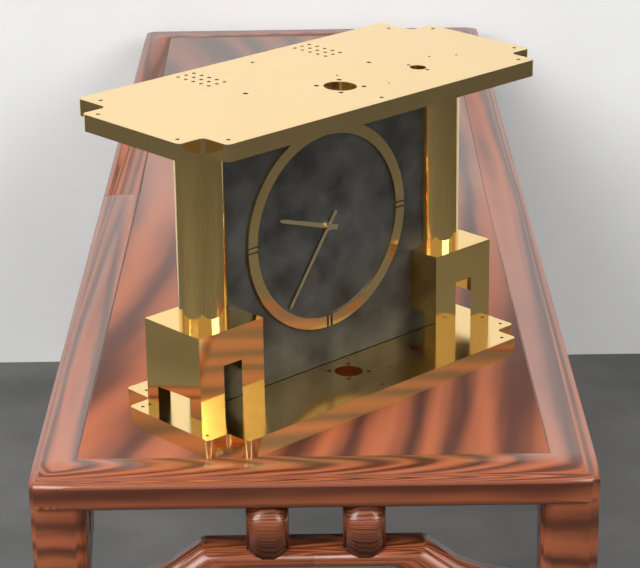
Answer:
{"hour": 9, "minute": 36}
